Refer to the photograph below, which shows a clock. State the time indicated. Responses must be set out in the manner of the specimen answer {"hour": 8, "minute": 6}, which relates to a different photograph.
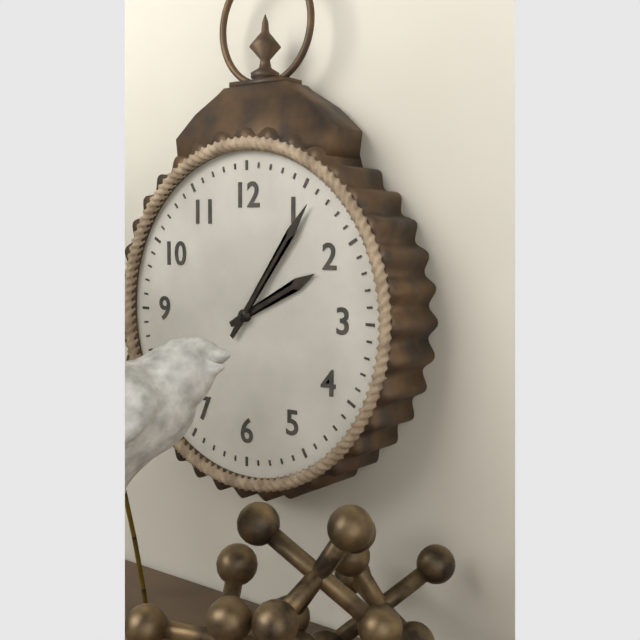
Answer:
{"hour": 2, "minute": 6}
